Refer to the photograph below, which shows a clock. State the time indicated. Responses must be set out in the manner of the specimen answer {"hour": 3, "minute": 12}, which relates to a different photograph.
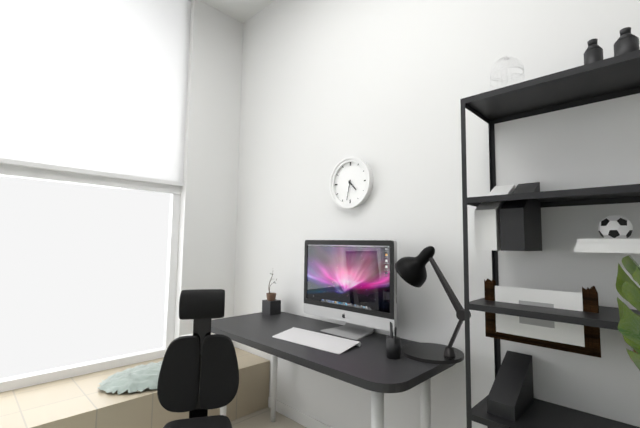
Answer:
{"hour": 4, "minute": 32}
